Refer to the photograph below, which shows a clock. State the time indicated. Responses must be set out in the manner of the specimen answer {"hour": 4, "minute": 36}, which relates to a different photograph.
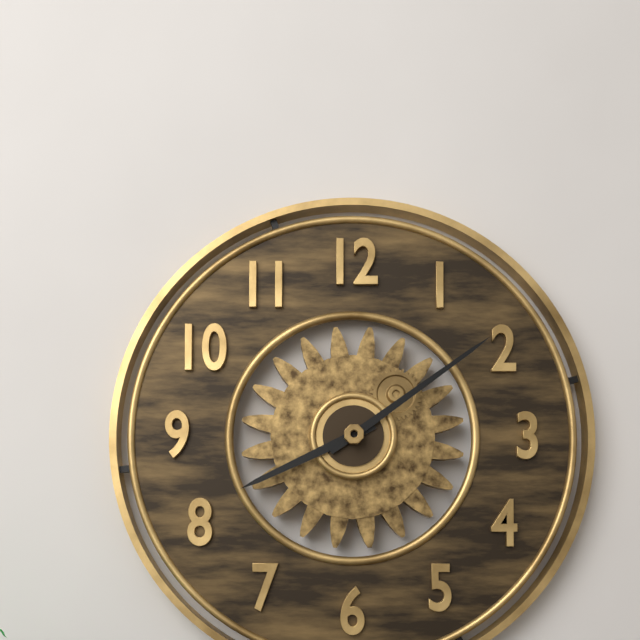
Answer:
{"hour": 8, "minute": 9}
